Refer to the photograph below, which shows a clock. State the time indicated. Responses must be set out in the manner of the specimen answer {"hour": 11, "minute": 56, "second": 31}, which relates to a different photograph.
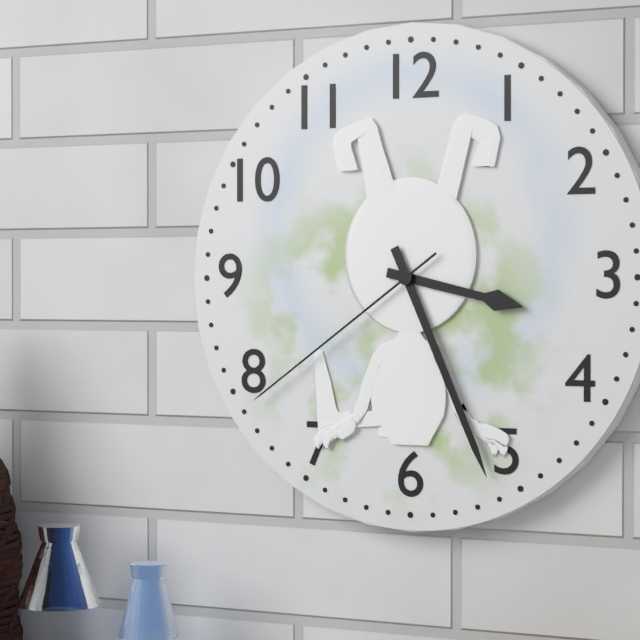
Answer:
{"hour": 3, "minute": 26, "second": 39}
